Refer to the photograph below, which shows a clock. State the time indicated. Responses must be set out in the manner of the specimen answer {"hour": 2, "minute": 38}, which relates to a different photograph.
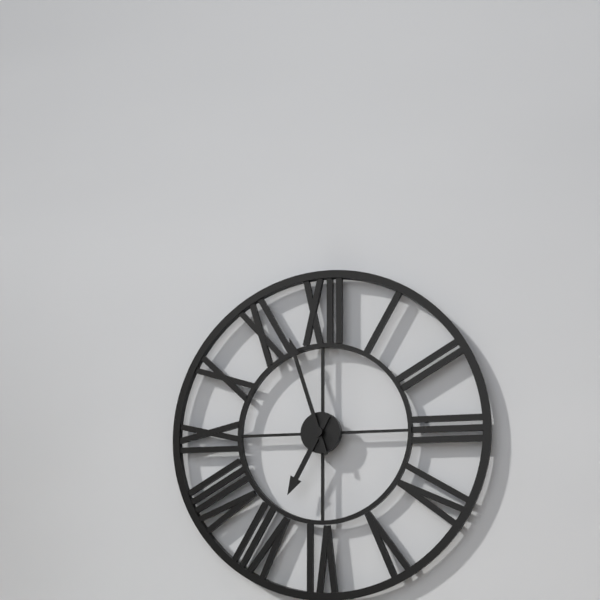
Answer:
{"hour": 6, "minute": 57}
